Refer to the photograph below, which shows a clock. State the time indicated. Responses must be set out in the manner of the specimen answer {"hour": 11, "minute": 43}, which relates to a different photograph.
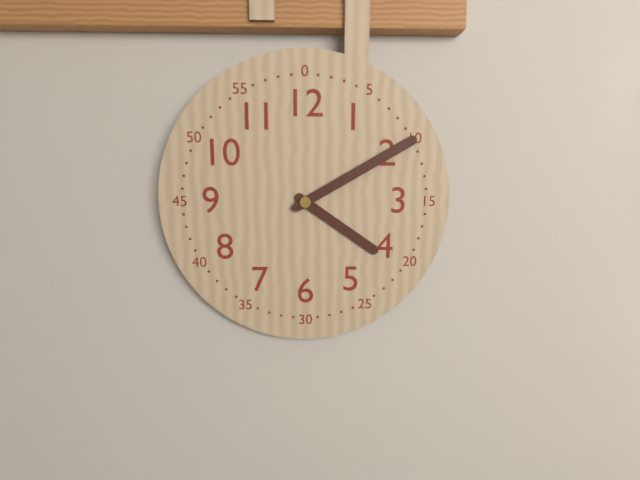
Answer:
{"hour": 4, "minute": 10}
